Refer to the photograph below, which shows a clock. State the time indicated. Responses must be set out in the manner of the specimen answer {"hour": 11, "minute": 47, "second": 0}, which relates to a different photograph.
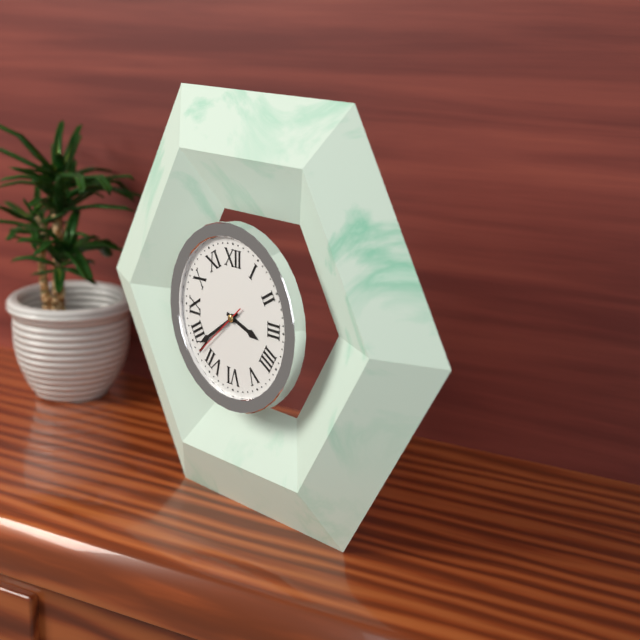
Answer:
{"hour": 3, "minute": 39, "second": 38}
